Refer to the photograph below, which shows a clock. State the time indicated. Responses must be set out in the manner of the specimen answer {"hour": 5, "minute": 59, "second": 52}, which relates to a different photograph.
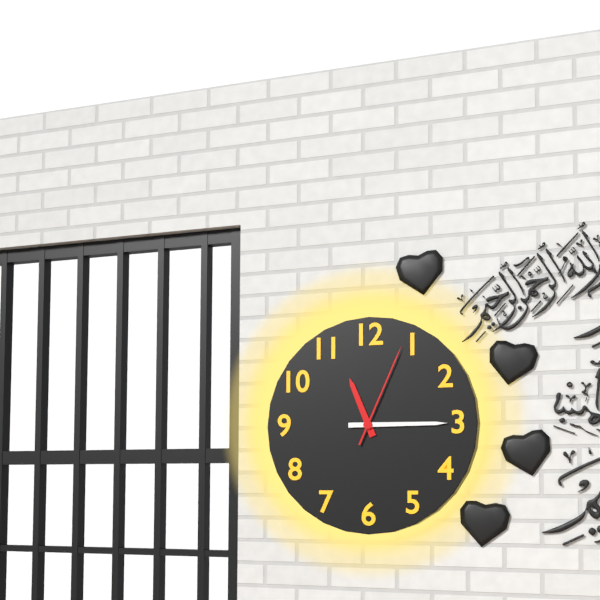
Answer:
{"hour": 11, "minute": 15, "second": 4}
